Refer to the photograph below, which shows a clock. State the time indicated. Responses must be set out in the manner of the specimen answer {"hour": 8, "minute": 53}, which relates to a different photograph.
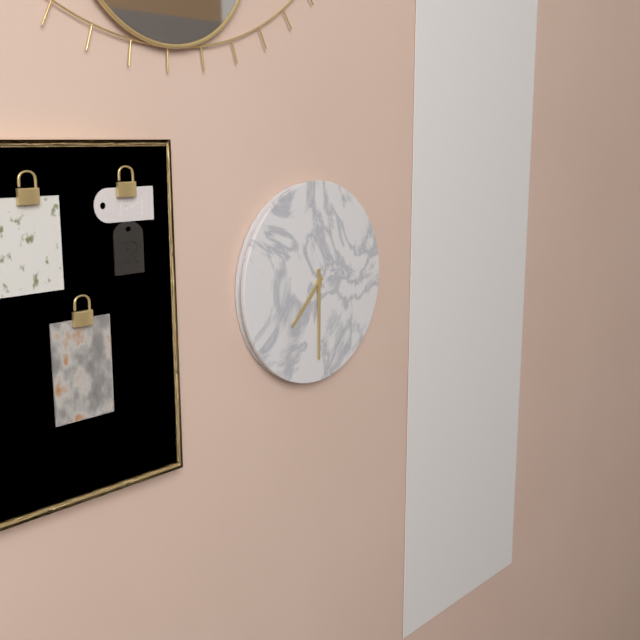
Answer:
{"hour": 7, "minute": 30}
